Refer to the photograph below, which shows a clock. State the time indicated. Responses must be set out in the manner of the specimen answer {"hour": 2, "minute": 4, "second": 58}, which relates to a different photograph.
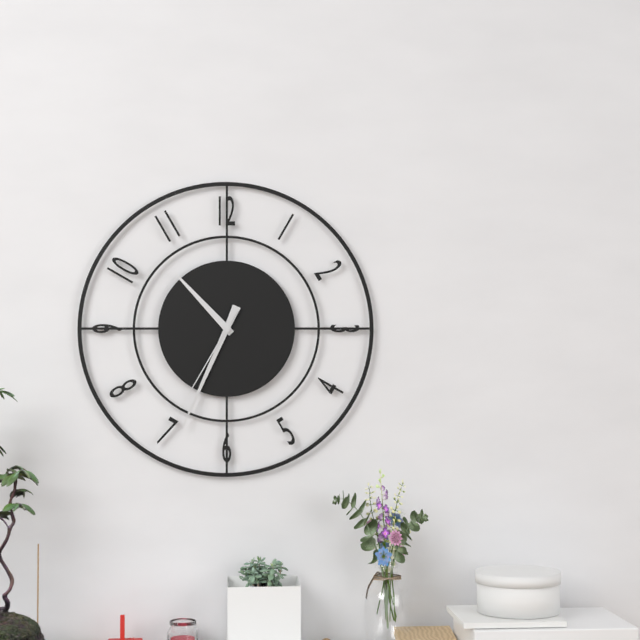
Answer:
{"hour": 10, "minute": 34, "second": 35}
